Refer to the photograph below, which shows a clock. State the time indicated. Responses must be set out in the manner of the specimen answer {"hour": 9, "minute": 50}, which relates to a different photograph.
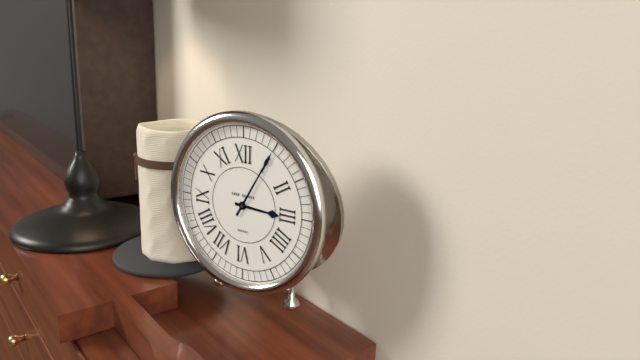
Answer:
{"hour": 3, "minute": 5}
